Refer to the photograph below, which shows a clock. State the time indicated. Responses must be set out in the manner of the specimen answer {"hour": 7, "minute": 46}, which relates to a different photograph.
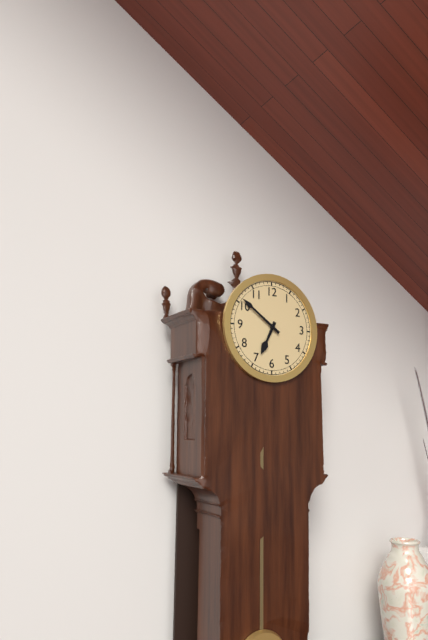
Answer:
{"hour": 6, "minute": 51}
